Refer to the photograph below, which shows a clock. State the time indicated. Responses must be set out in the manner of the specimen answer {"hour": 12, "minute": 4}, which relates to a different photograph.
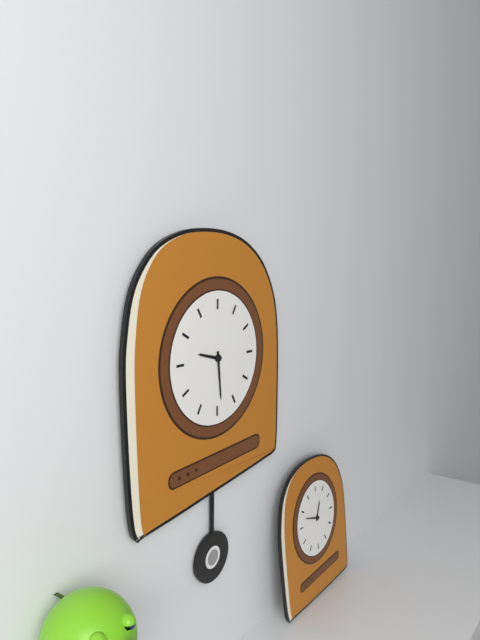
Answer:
{"hour": 9, "minute": 29}
